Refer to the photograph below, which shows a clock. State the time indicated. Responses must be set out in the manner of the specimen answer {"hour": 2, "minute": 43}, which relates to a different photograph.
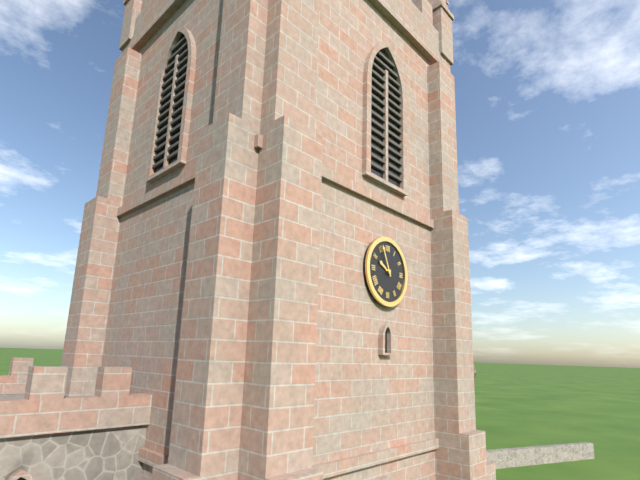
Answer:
{"hour": 9, "minute": 56}
